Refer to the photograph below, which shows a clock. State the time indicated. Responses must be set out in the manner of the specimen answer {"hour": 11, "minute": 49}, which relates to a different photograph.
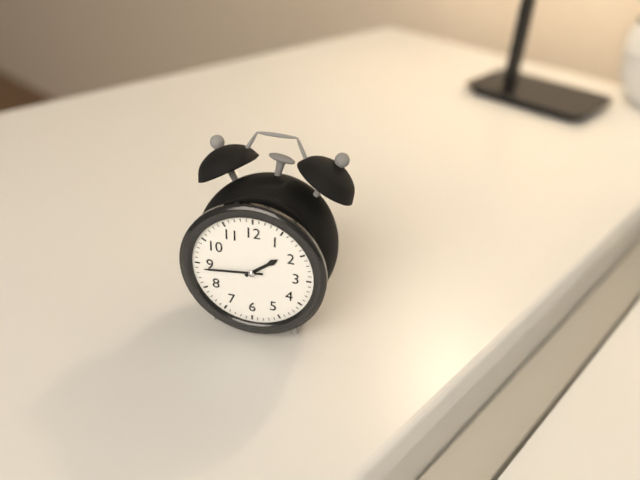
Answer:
{"hour": 1, "minute": 44}
